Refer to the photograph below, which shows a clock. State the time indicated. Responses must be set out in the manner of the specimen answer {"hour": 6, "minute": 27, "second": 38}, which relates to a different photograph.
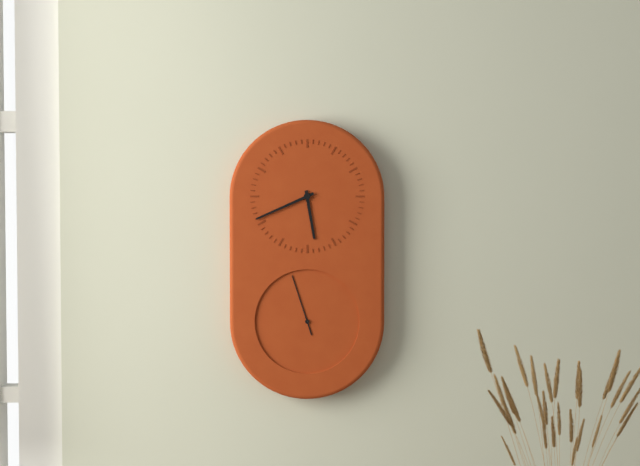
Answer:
{"hour": 5, "minute": 41, "second": 57}
